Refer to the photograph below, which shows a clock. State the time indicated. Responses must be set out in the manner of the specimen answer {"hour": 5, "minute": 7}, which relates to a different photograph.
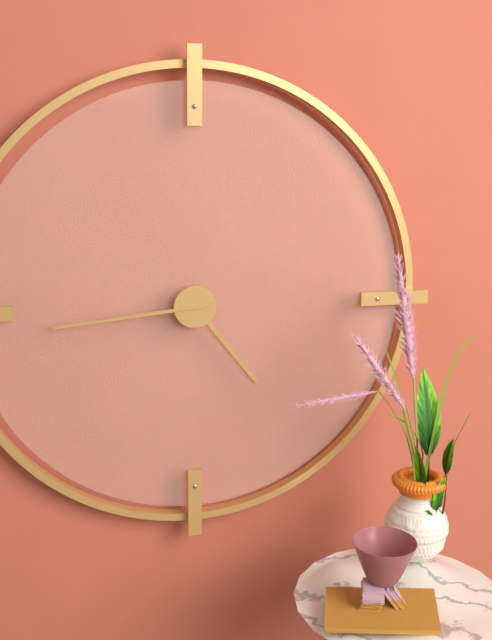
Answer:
{"hour": 4, "minute": 44}
